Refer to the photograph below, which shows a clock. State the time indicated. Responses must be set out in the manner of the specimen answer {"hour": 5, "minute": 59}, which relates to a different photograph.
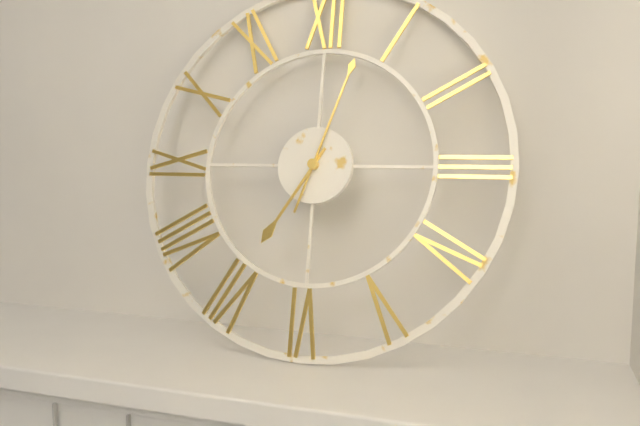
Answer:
{"hour": 7, "minute": 3}
